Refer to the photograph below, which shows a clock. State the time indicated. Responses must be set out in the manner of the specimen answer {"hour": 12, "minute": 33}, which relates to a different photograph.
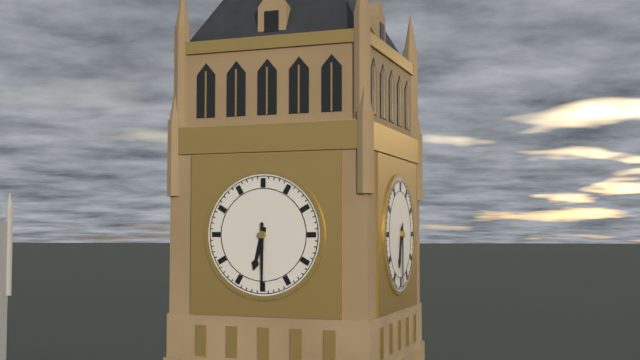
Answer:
{"hour": 6, "minute": 30}
